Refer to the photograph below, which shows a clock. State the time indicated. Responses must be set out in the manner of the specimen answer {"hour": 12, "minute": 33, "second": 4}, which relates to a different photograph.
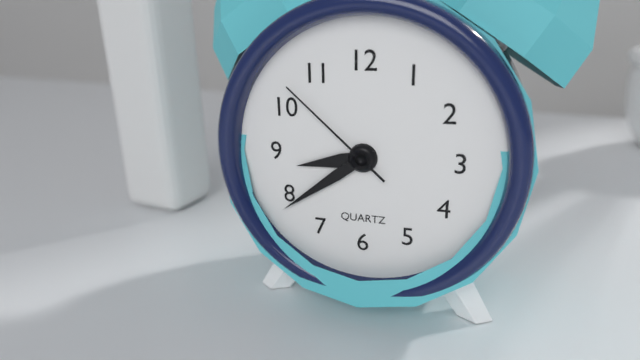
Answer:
{"hour": 8, "minute": 39, "second": 52}
